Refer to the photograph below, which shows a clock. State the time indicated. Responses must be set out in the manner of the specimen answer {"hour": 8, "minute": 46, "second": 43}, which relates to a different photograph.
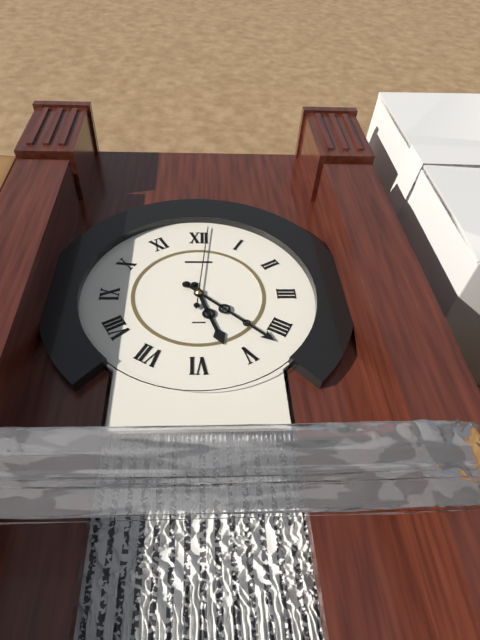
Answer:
{"hour": 5, "minute": 22, "second": 1}
